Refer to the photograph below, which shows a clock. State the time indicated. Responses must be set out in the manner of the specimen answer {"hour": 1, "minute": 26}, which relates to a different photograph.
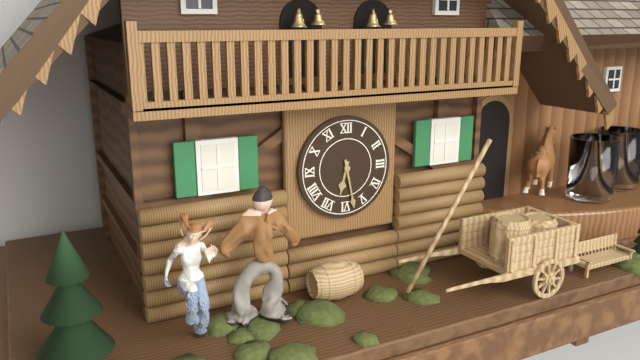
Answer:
{"hour": 6, "minute": 28}
